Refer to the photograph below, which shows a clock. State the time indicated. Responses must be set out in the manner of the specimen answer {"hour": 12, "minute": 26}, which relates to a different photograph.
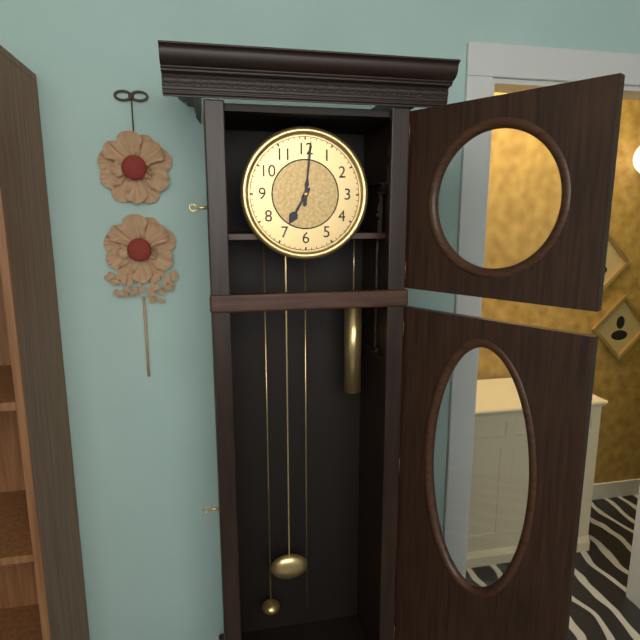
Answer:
{"hour": 7, "minute": 1}
